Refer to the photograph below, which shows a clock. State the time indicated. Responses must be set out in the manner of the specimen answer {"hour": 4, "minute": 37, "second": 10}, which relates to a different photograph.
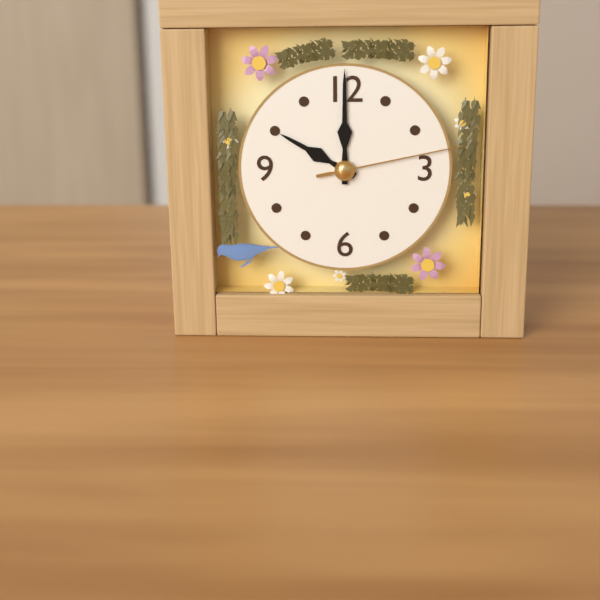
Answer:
{"hour": 10, "minute": 0, "second": 13}
